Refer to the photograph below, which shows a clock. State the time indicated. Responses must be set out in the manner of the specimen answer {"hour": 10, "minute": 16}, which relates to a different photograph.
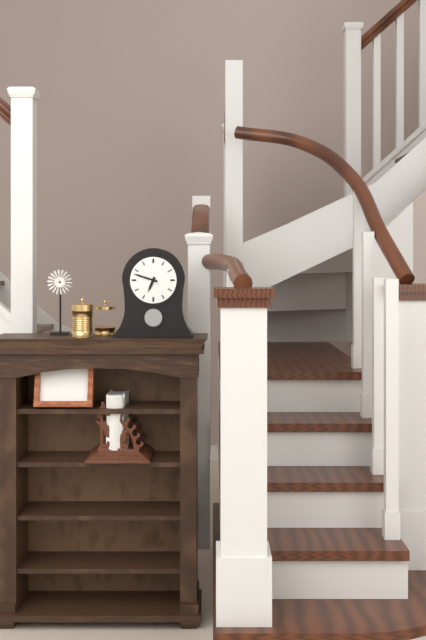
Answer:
{"hour": 6, "minute": 48}
